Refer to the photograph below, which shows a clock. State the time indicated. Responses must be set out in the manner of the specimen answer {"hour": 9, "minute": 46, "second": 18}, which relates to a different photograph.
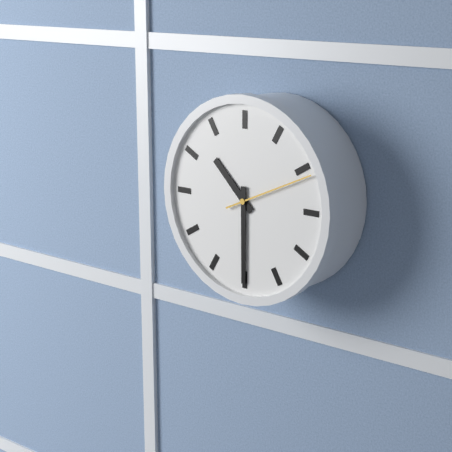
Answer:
{"hour": 10, "minute": 30, "second": 11}
